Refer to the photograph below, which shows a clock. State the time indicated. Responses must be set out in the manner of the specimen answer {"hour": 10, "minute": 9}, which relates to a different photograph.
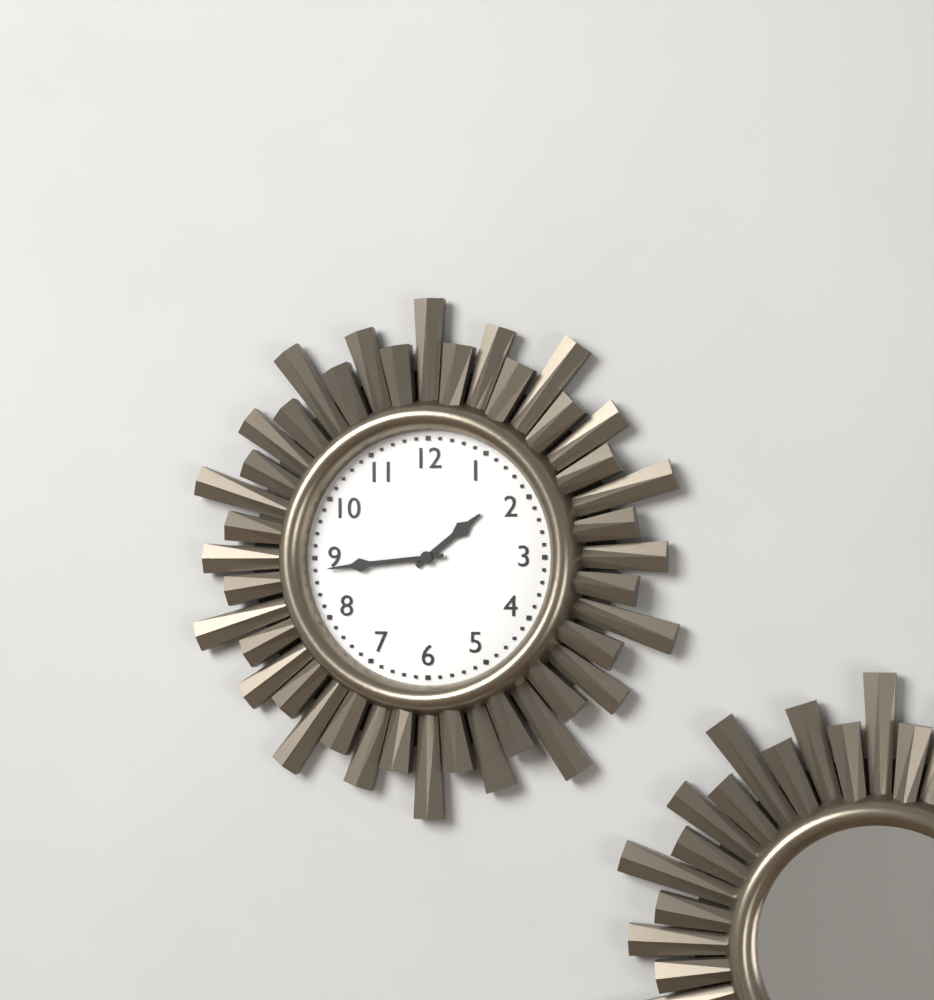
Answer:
{"hour": 1, "minute": 44}
